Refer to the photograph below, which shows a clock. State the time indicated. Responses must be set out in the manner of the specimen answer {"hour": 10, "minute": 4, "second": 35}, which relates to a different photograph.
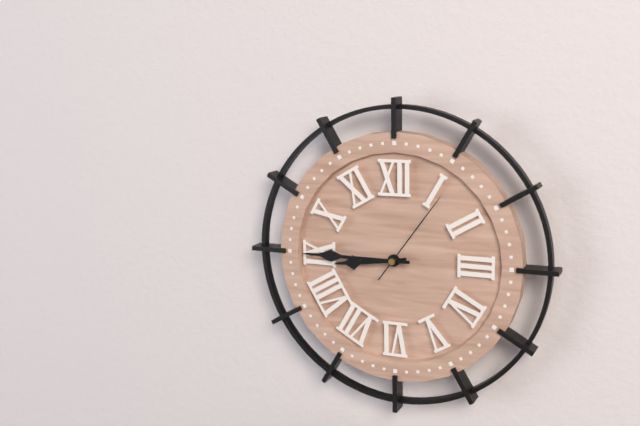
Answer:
{"hour": 8, "minute": 45, "second": 6}
